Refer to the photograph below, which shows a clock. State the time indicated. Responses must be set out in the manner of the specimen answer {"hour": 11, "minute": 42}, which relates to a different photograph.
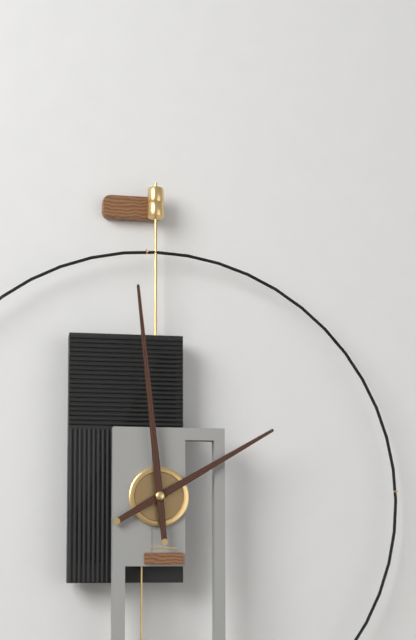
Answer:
{"hour": 1, "minute": 59}
